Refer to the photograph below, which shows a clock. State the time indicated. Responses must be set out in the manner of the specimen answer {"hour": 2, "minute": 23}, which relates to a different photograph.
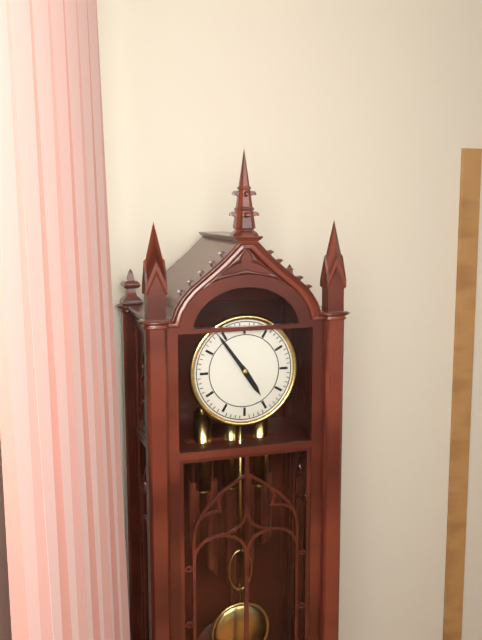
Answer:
{"hour": 4, "minute": 54}
